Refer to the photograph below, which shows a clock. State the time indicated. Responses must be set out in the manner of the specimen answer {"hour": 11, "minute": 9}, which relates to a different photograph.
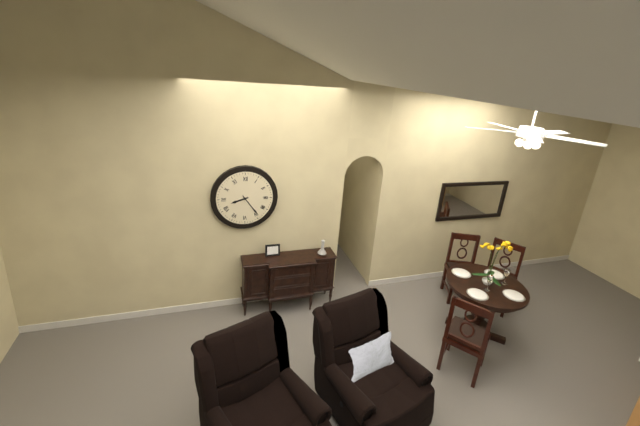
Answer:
{"hour": 8, "minute": 24}
